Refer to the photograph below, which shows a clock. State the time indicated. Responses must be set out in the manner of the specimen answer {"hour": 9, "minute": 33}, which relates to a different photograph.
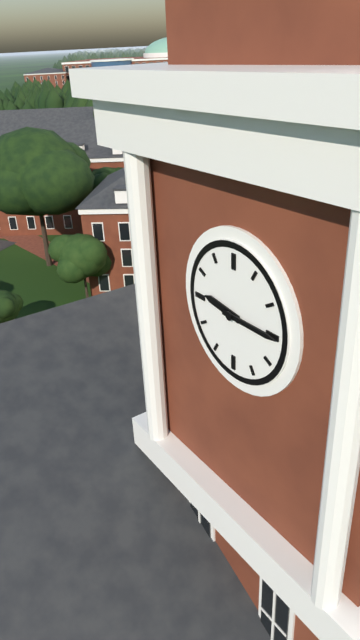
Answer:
{"hour": 9, "minute": 15}
